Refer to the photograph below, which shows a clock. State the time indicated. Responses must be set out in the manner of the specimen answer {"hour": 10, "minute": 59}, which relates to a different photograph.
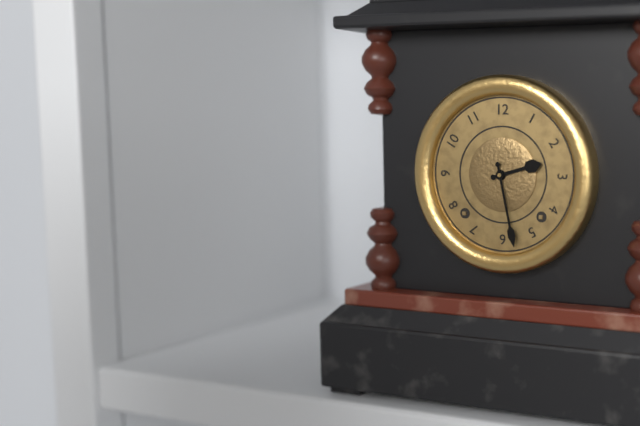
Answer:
{"hour": 2, "minute": 28}
